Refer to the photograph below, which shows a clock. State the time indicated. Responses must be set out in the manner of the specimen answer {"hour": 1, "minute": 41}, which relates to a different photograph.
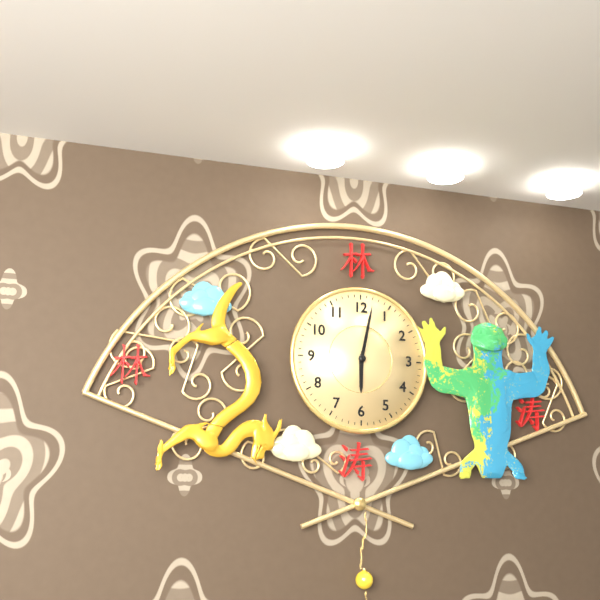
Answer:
{"hour": 6, "minute": 2}
